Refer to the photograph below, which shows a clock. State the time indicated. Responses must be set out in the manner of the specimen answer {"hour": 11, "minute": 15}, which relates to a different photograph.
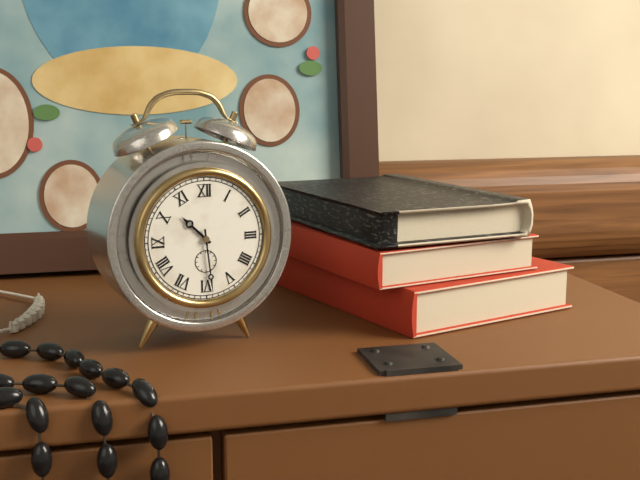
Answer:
{"hour": 10, "minute": 29}
